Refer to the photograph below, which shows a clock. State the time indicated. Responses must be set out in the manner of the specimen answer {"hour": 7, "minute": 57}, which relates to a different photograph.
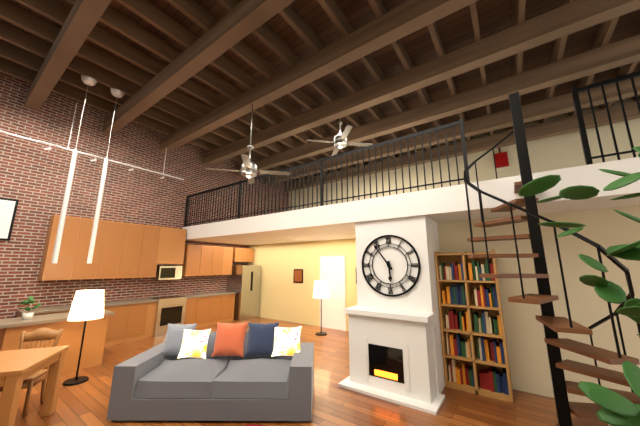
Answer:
{"hour": 5, "minute": 54}
